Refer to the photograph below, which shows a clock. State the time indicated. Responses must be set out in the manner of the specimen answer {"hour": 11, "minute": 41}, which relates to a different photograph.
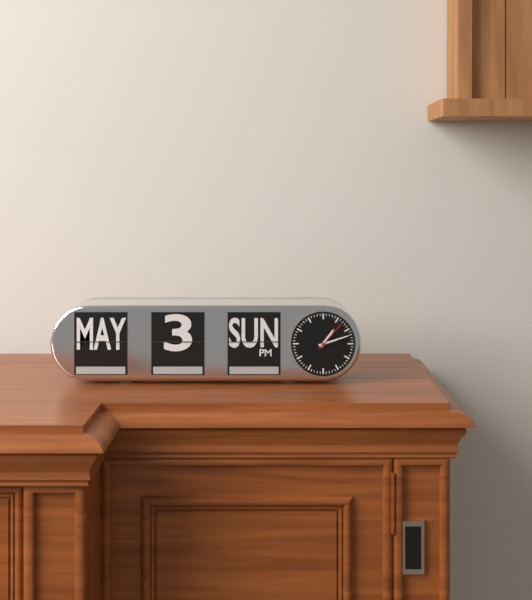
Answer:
{"hour": 1, "minute": 12}
